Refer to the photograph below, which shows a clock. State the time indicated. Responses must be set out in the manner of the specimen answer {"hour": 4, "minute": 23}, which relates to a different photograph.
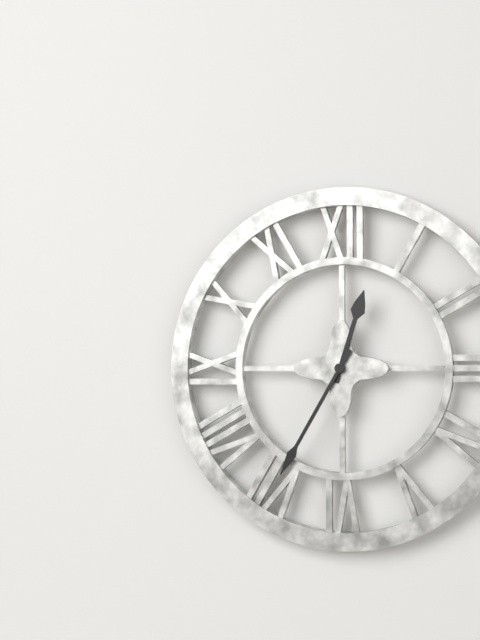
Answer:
{"hour": 12, "minute": 35}
